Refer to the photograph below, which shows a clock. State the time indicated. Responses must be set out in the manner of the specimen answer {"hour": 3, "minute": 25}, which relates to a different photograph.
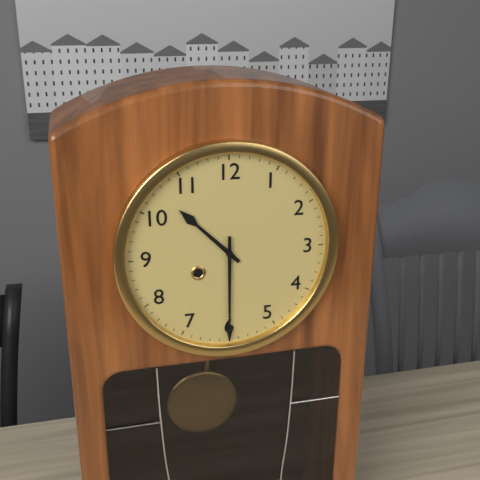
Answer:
{"hour": 10, "minute": 30}
